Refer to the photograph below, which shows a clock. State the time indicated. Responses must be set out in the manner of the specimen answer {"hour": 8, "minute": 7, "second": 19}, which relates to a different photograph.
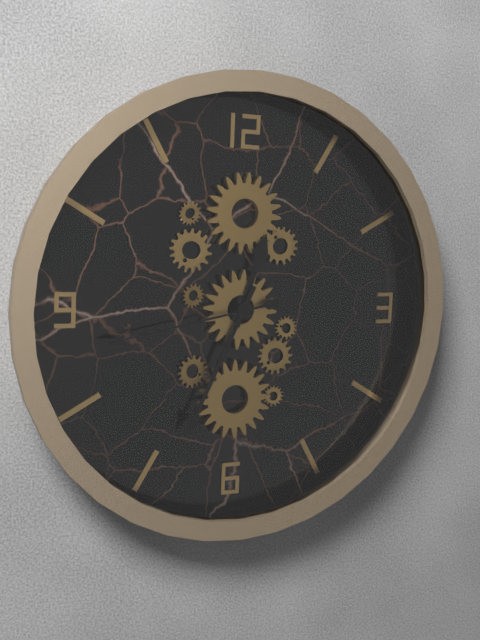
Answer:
{"hour": 12, "minute": 34, "second": 43}
